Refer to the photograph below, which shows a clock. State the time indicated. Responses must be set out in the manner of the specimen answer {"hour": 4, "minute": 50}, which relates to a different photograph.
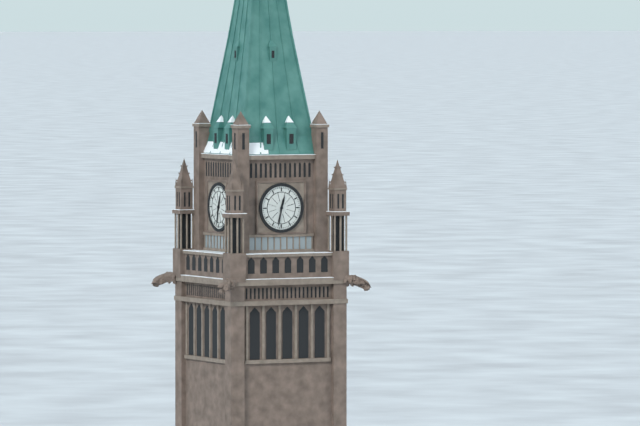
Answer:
{"hour": 12, "minute": 32}
